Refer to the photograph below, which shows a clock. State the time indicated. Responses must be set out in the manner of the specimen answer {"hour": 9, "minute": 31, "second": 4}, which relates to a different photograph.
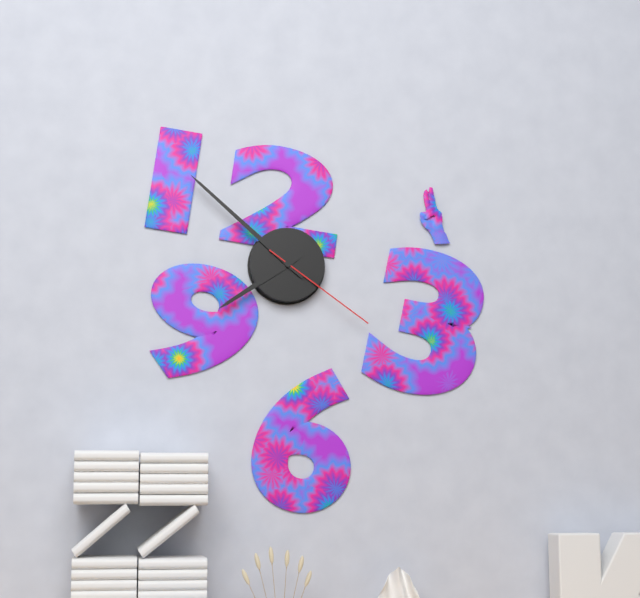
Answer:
{"hour": 7, "minute": 52, "second": 21}
